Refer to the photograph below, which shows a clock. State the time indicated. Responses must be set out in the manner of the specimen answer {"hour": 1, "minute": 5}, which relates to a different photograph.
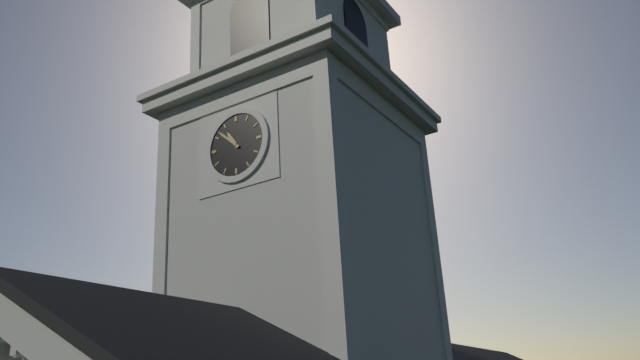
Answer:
{"hour": 10, "minute": 52}
